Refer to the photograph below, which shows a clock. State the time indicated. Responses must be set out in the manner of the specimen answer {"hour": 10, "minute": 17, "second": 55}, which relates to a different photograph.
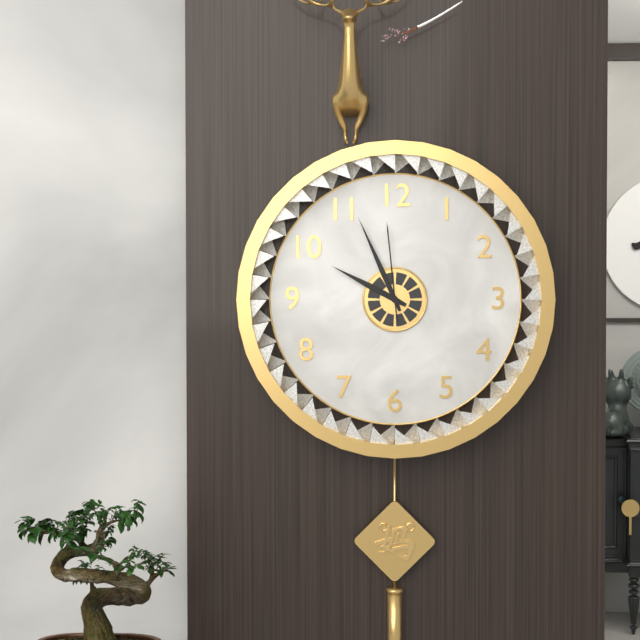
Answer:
{"hour": 9, "minute": 56, "second": 59}
